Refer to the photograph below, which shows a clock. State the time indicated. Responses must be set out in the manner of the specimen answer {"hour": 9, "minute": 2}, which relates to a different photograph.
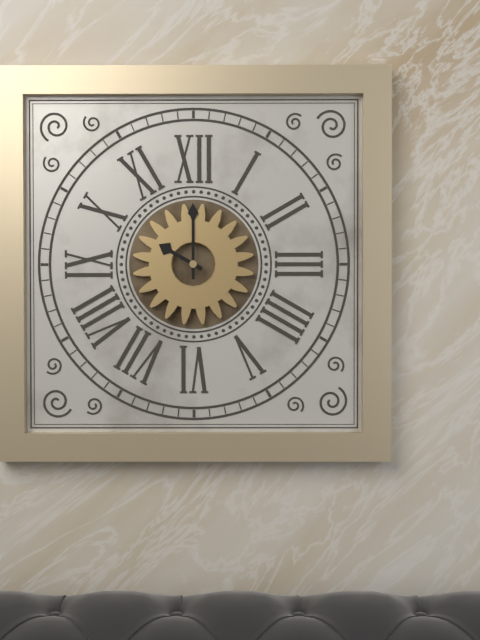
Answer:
{"hour": 10, "minute": 0}
